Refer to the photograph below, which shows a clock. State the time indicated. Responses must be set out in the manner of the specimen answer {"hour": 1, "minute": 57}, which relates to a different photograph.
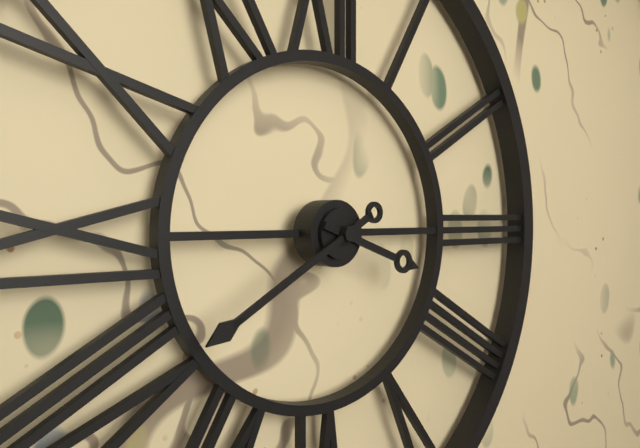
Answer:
{"hour": 3, "minute": 40}
